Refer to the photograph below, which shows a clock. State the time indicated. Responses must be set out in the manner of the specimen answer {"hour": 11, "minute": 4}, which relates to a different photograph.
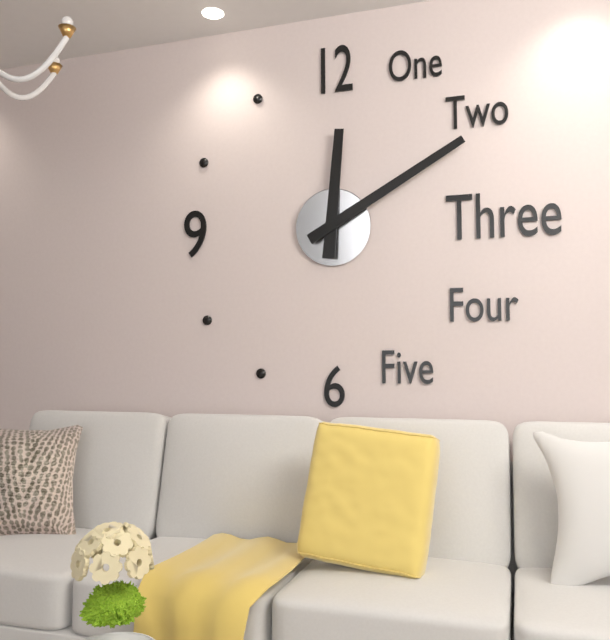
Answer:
{"hour": 12, "minute": 10}
